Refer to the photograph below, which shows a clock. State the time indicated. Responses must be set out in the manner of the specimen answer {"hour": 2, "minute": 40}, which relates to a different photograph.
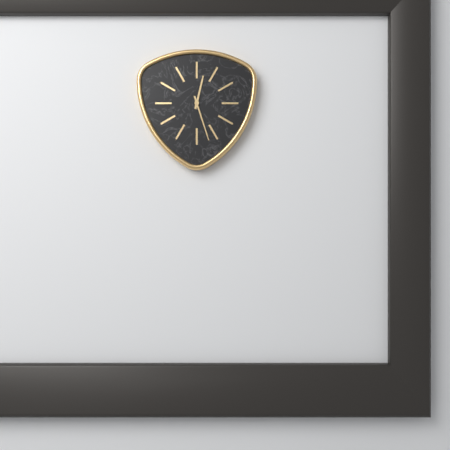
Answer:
{"hour": 12, "minute": 27}
